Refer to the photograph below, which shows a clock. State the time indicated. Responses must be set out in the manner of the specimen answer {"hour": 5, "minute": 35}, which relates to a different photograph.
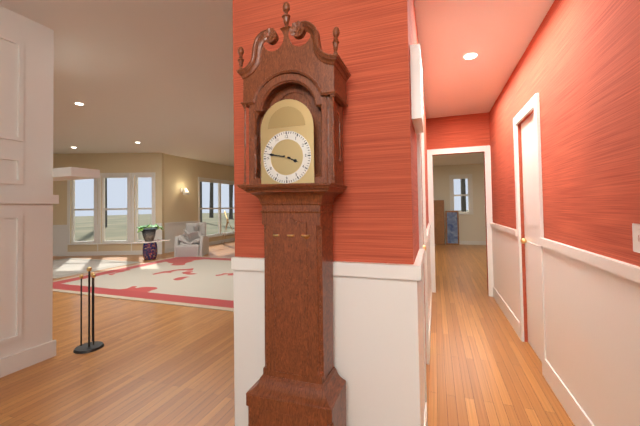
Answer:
{"hour": 3, "minute": 47}
